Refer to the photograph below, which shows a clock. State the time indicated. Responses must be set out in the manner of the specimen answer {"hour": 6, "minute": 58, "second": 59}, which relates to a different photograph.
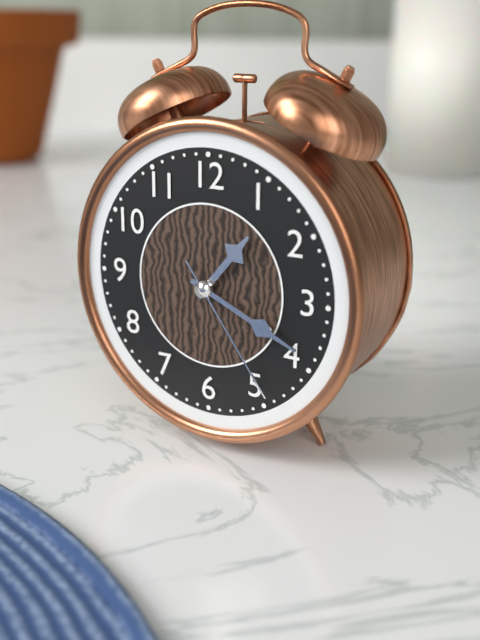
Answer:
{"hour": 1, "minute": 19, "second": 24}
